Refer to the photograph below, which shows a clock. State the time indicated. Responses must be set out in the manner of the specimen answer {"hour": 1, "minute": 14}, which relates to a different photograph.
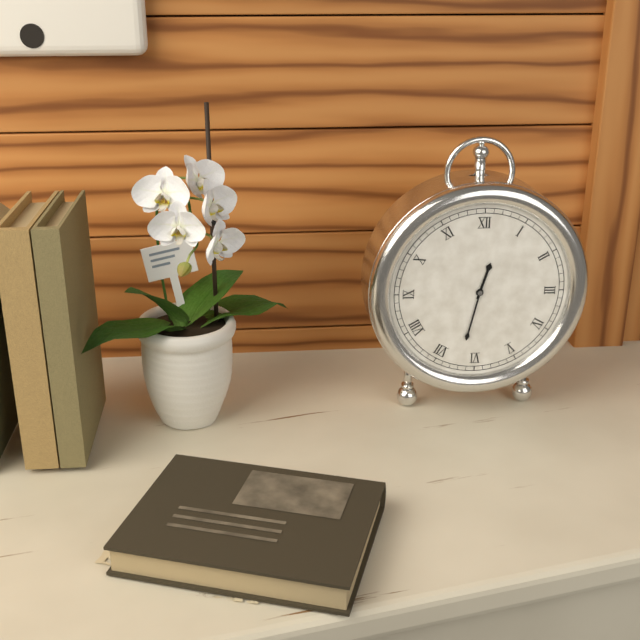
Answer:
{"hour": 12, "minute": 32}
